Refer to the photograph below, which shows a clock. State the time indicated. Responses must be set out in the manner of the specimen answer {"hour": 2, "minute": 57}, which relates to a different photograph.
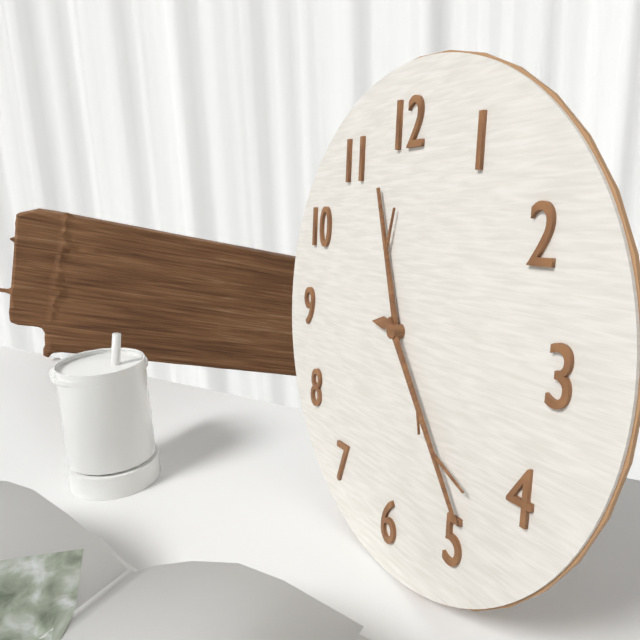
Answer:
{"hour": 11, "minute": 24}
